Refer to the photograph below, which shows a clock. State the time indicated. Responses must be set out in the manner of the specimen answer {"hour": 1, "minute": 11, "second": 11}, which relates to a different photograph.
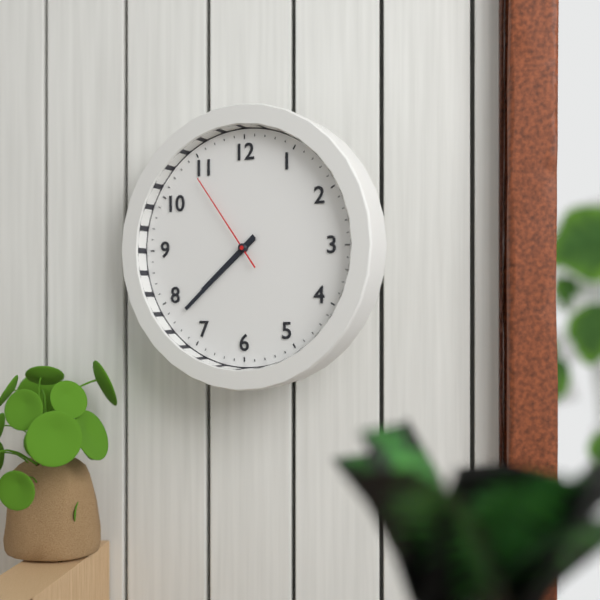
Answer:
{"hour": 7, "minute": 38, "second": 54}
